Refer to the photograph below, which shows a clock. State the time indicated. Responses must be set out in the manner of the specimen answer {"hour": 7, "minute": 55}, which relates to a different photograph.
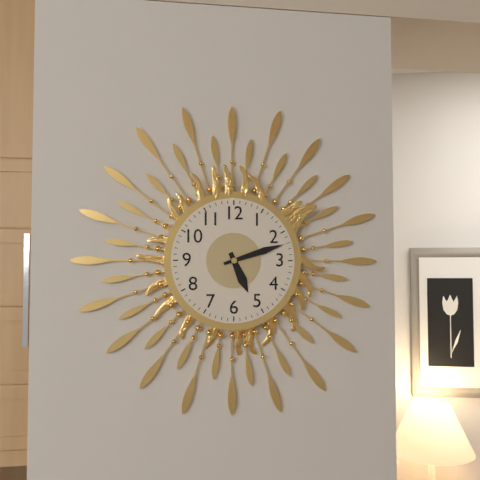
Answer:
{"hour": 5, "minute": 12}
